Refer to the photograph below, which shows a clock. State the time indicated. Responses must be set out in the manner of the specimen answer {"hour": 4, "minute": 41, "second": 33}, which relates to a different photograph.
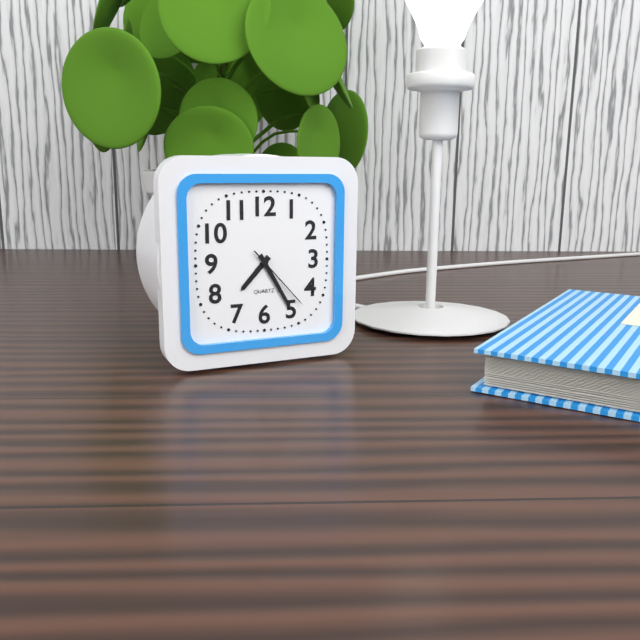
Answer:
{"hour": 7, "minute": 25, "second": 23}
